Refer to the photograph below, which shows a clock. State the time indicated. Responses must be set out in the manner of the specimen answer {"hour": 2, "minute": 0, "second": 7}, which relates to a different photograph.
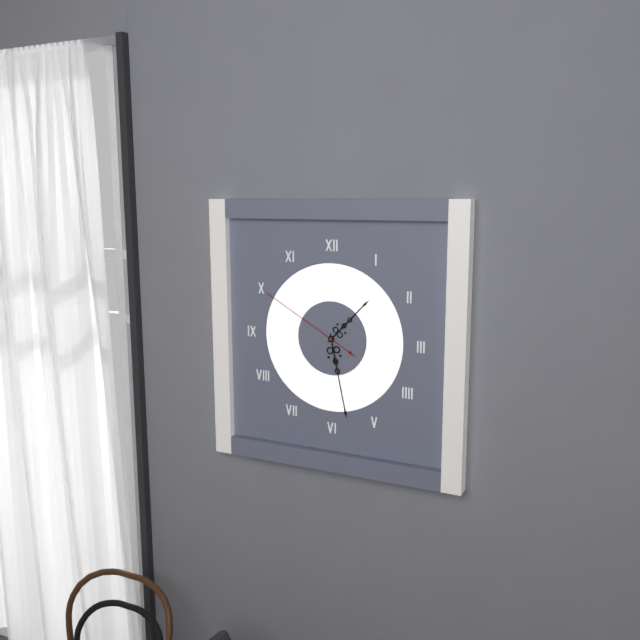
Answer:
{"hour": 1, "minute": 28, "second": 50}
